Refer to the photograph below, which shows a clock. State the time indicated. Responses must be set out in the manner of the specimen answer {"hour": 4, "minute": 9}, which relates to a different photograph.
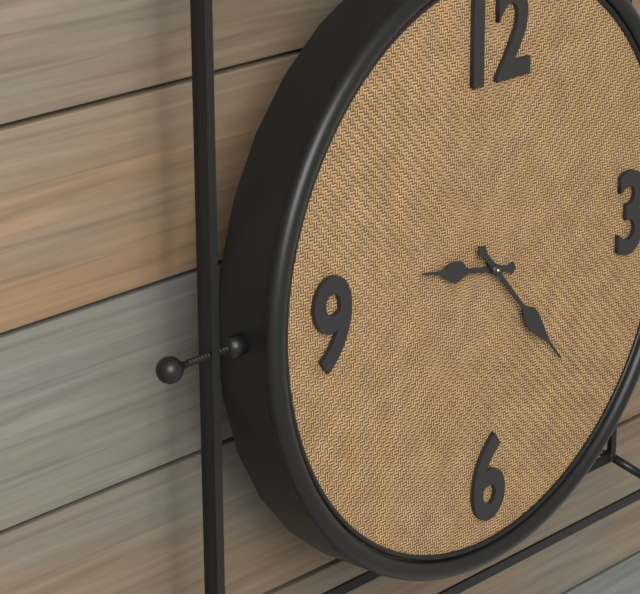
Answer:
{"hour": 9, "minute": 23}
